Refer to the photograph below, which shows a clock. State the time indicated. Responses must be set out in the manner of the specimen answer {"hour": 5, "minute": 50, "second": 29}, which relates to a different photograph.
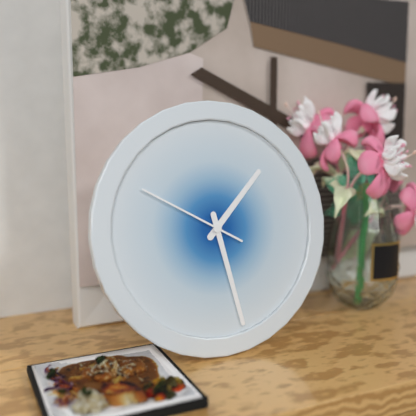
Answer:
{"hour": 1, "minute": 28, "second": 50}
